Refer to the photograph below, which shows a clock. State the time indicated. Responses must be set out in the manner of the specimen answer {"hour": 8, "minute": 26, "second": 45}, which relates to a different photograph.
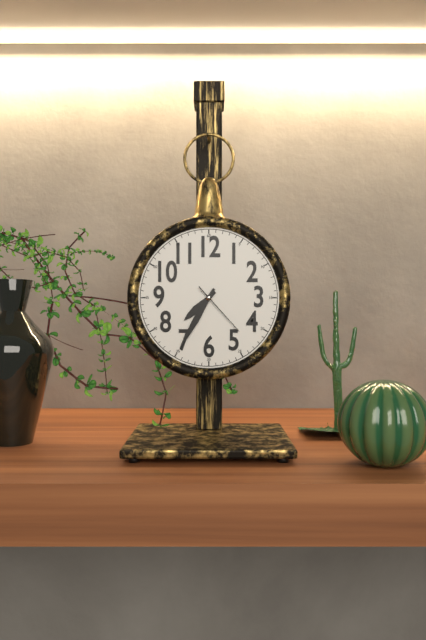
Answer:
{"hour": 7, "minute": 35, "second": 23}
